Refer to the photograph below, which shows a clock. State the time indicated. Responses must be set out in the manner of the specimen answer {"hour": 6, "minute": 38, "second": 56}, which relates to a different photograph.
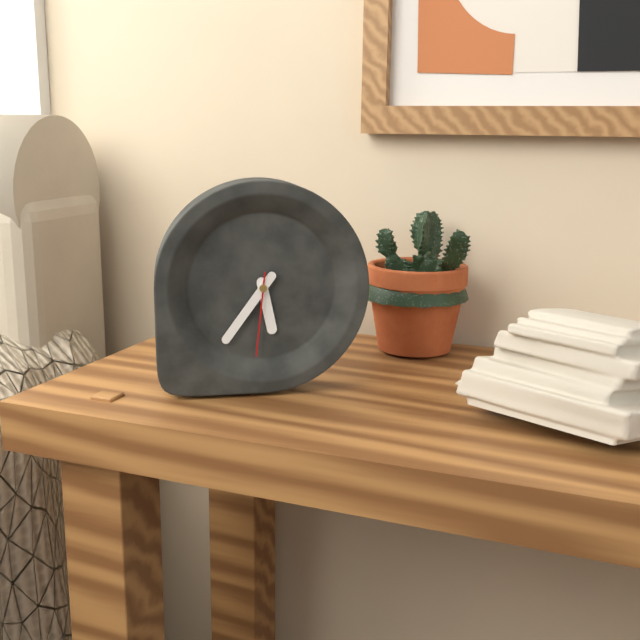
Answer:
{"hour": 5, "minute": 36, "second": 31}
